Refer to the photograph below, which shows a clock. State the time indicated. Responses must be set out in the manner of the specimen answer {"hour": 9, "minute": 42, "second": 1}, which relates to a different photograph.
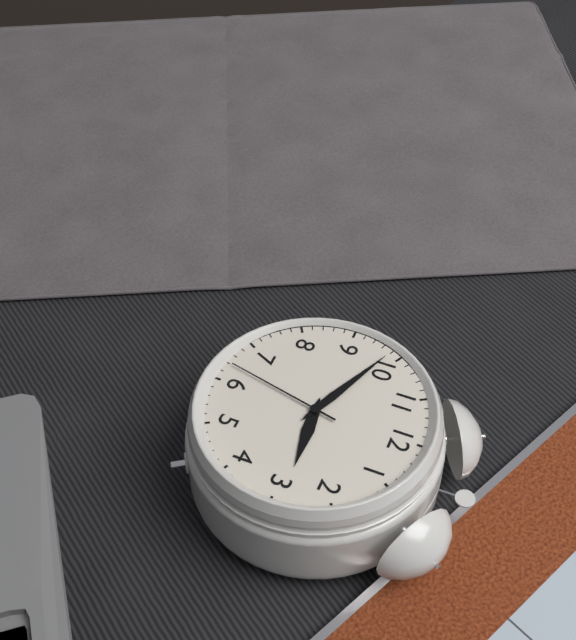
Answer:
{"hour": 2, "minute": 49, "second": 32}
